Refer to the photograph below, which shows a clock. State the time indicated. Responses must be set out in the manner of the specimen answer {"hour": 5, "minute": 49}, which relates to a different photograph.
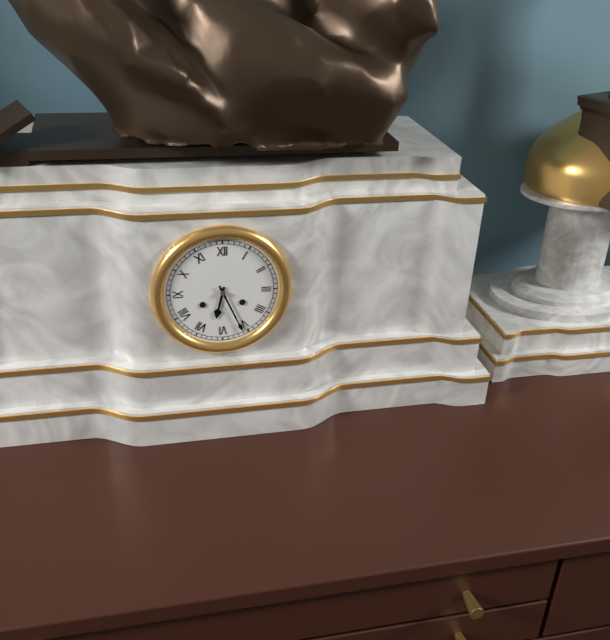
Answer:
{"hour": 6, "minute": 26}
